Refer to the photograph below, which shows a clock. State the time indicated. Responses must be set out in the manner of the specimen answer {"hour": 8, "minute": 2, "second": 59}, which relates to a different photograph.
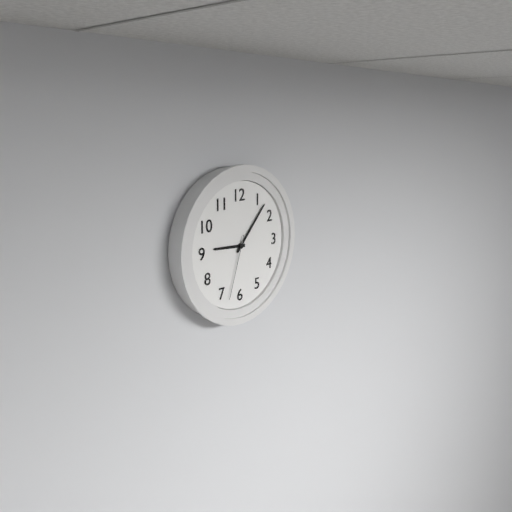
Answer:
{"hour": 9, "minute": 7, "second": 33}
